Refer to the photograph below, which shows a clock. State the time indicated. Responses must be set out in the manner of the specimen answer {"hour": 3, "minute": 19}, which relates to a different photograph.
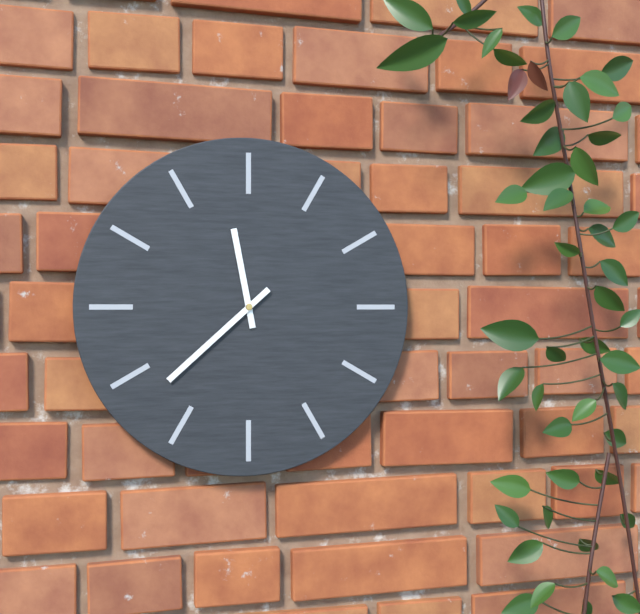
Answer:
{"hour": 11, "minute": 38}
